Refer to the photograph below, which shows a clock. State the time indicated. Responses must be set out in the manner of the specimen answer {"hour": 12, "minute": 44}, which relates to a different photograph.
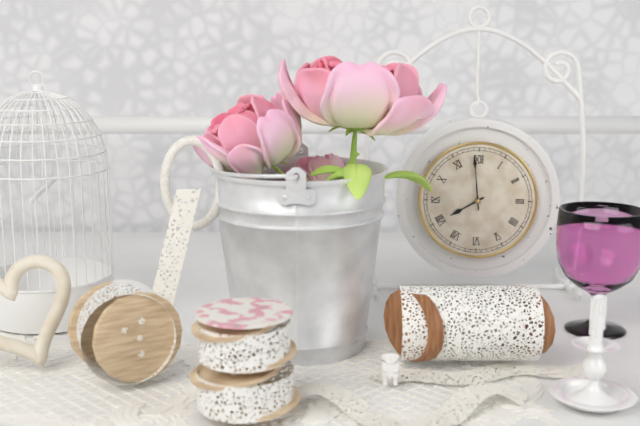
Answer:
{"hour": 7, "minute": 59}
